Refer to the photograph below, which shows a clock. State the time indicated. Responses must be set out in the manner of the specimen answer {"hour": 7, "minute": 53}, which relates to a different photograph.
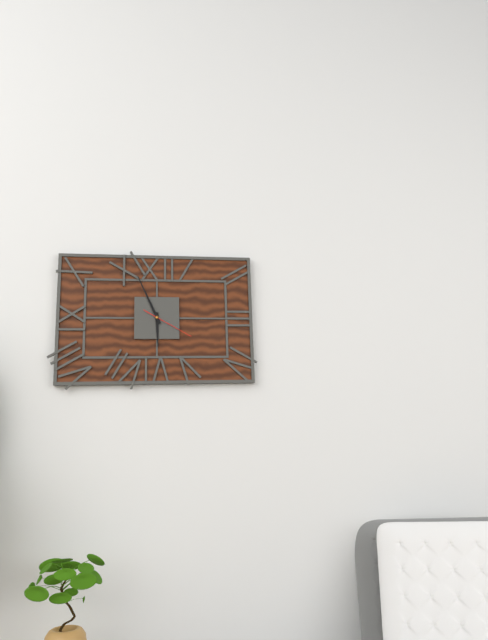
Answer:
{"hour": 5, "minute": 56}
